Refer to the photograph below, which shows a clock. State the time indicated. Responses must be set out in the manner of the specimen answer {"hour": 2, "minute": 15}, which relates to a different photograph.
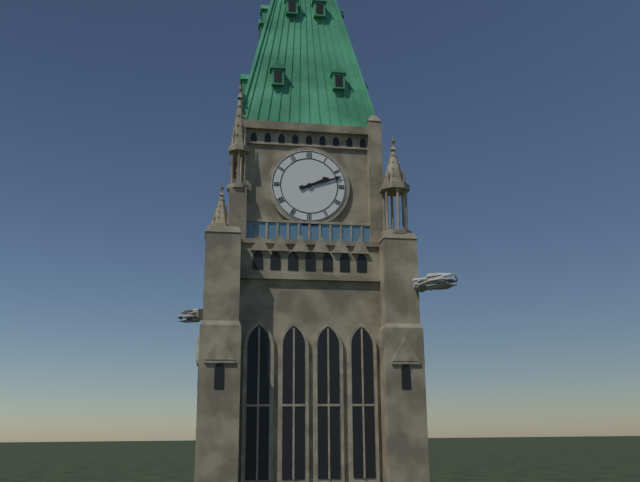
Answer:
{"hour": 2, "minute": 12}
